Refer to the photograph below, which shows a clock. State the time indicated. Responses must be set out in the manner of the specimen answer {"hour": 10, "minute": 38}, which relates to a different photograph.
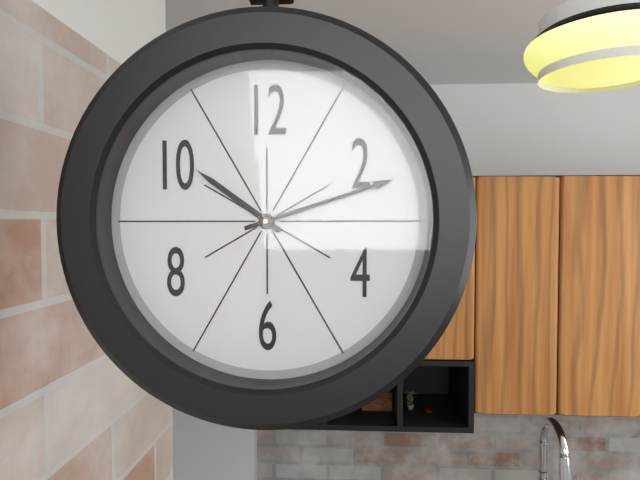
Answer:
{"hour": 10, "minute": 12}
